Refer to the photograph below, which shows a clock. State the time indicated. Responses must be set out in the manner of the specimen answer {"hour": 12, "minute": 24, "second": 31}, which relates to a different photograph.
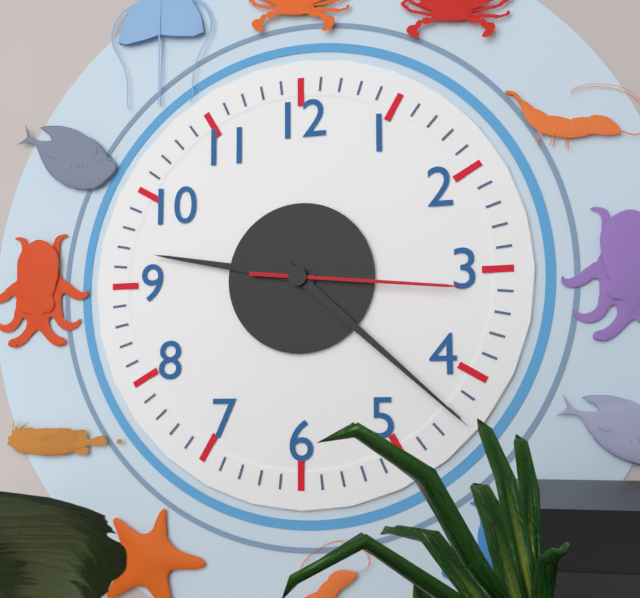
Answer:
{"hour": 9, "minute": 22, "second": 16}
